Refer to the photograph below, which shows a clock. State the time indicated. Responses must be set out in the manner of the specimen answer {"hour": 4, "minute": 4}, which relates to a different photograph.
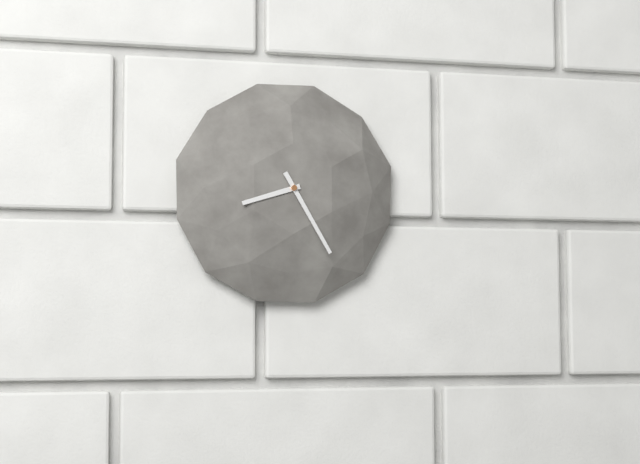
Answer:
{"hour": 8, "minute": 25}
